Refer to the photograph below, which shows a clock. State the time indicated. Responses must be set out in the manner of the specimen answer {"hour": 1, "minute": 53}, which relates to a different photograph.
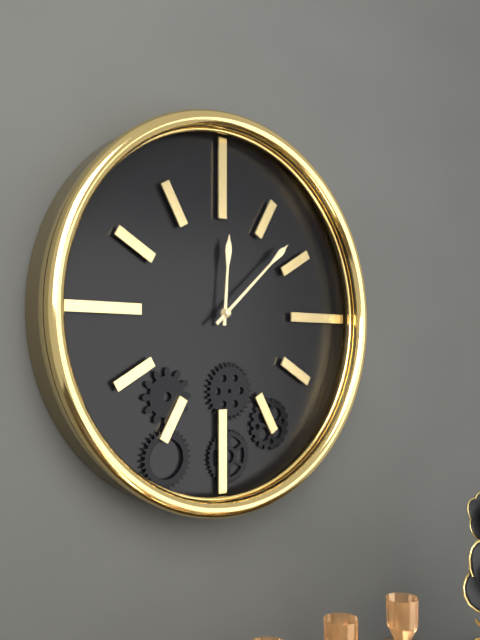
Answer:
{"hour": 12, "minute": 8}
